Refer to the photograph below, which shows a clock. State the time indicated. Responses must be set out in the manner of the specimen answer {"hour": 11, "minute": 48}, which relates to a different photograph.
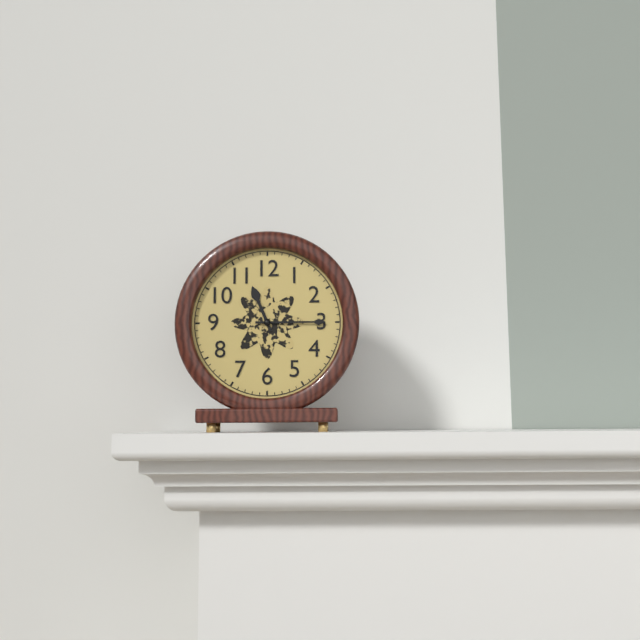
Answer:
{"hour": 11, "minute": 15}
